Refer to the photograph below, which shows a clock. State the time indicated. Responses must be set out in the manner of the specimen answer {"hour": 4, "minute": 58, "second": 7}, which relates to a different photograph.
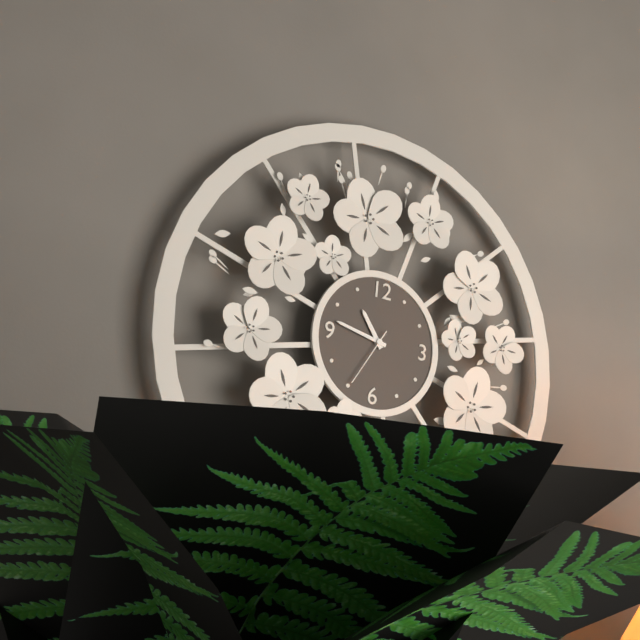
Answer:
{"hour": 10, "minute": 47, "second": 35}
